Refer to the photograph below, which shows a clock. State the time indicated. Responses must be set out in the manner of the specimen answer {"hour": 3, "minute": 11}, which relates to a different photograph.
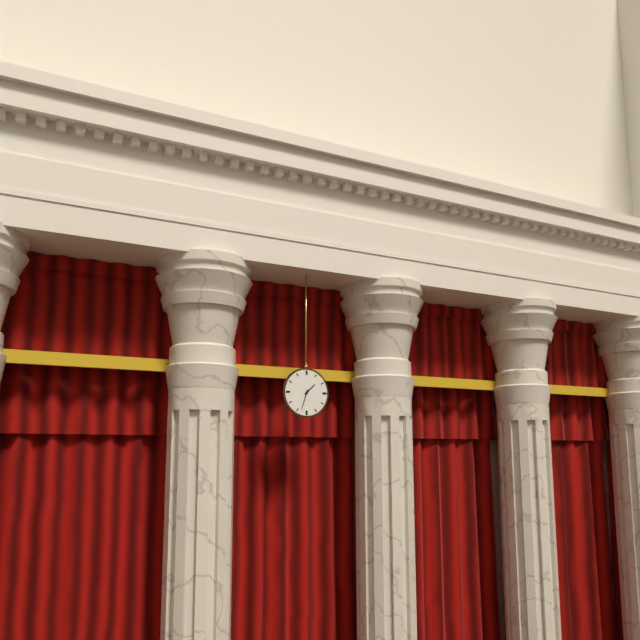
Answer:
{"hour": 1, "minute": 33}
